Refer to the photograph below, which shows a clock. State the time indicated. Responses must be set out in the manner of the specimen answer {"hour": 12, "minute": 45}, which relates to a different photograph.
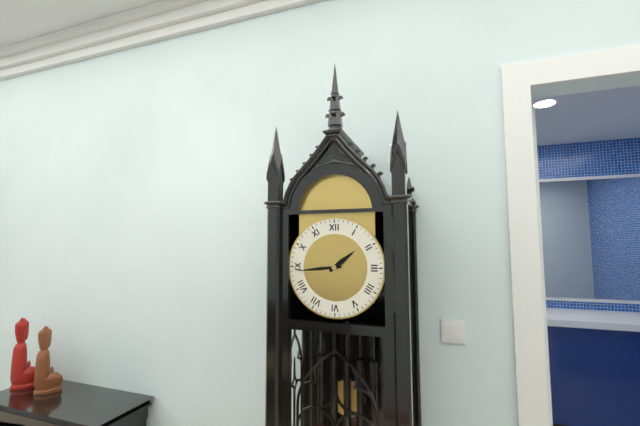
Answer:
{"hour": 1, "minute": 44}
